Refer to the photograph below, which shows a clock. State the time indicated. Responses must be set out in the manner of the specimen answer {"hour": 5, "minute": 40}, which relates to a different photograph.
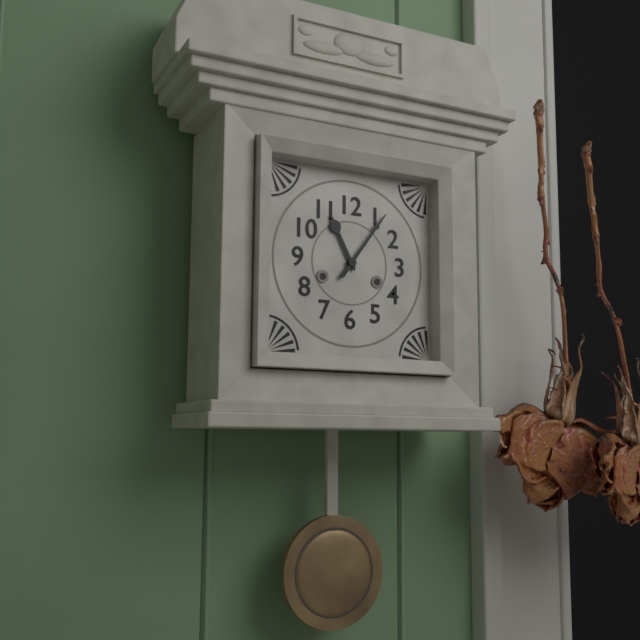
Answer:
{"hour": 11, "minute": 6}
